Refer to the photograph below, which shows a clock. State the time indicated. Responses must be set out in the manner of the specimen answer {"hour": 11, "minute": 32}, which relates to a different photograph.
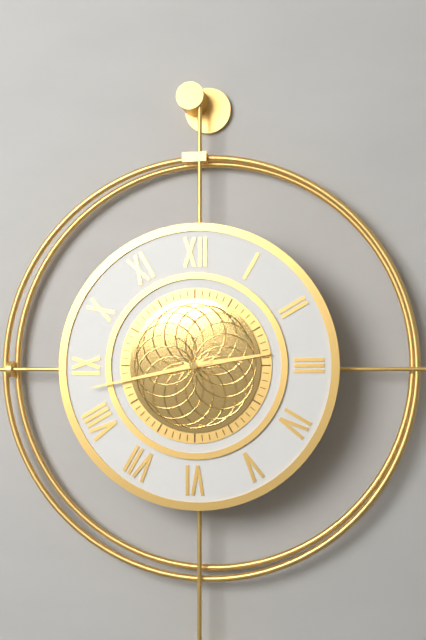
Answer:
{"hour": 2, "minute": 43}
